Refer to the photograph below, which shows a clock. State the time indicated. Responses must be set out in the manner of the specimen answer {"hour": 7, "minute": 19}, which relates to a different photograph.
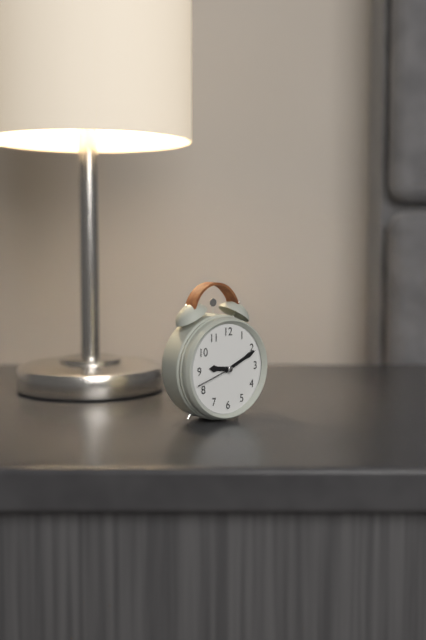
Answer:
{"hour": 9, "minute": 11}
